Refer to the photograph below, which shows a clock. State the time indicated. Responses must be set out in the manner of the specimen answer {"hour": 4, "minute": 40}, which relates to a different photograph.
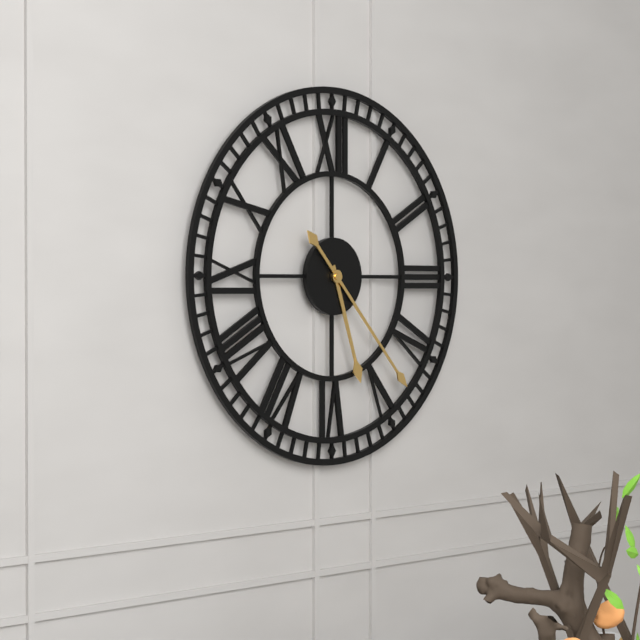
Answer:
{"hour": 5, "minute": 23}
